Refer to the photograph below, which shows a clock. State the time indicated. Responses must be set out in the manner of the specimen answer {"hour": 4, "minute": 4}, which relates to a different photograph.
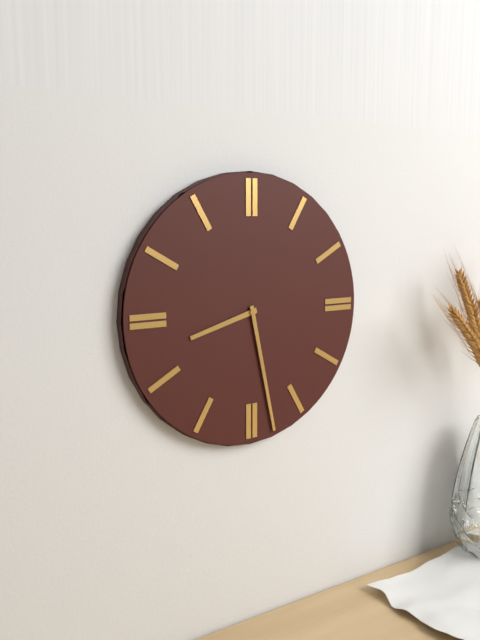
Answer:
{"hour": 8, "minute": 28}
